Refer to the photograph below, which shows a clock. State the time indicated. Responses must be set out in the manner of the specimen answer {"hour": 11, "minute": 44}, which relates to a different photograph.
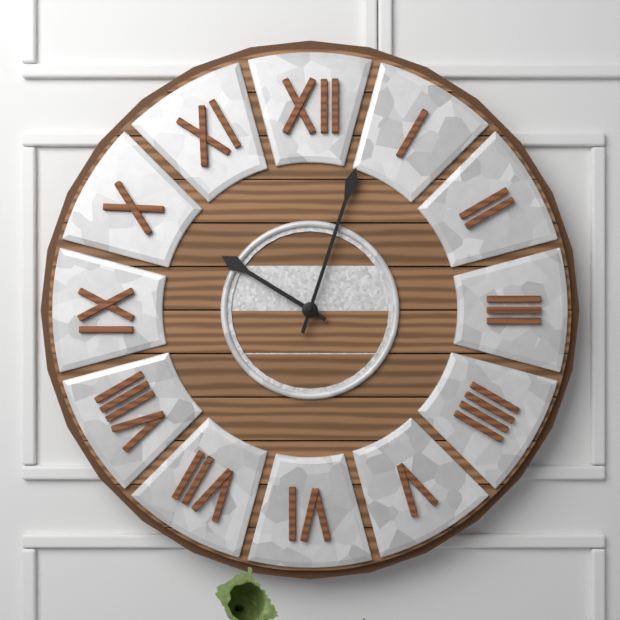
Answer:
{"hour": 10, "minute": 3}
